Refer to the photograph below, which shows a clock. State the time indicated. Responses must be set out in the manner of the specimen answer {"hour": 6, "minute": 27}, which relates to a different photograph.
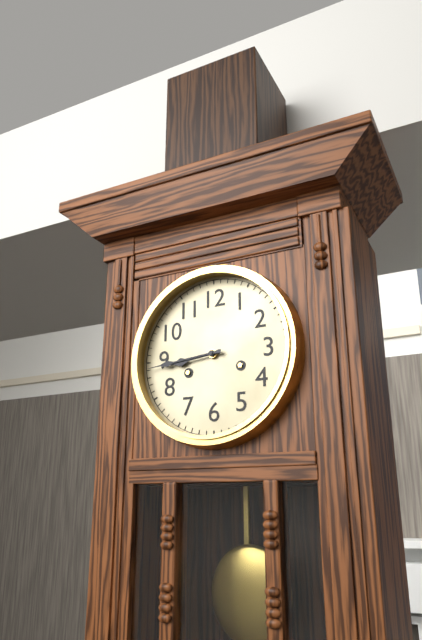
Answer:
{"hour": 8, "minute": 44}
